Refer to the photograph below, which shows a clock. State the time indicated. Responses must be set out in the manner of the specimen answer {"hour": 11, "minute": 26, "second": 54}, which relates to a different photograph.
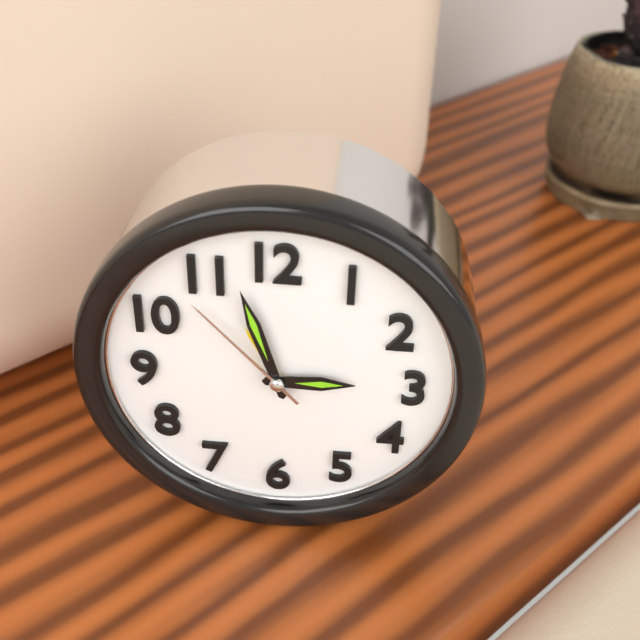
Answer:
{"hour": 2, "minute": 57, "second": 53}
